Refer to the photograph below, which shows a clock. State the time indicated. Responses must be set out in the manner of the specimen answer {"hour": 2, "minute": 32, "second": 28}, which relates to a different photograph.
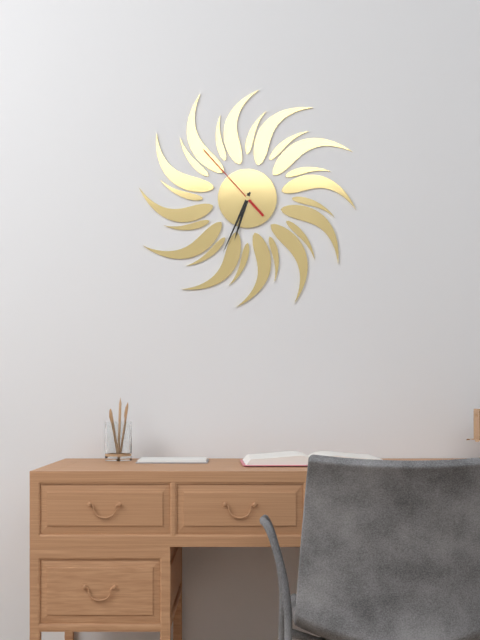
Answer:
{"hour": 6, "minute": 34, "second": 53}
